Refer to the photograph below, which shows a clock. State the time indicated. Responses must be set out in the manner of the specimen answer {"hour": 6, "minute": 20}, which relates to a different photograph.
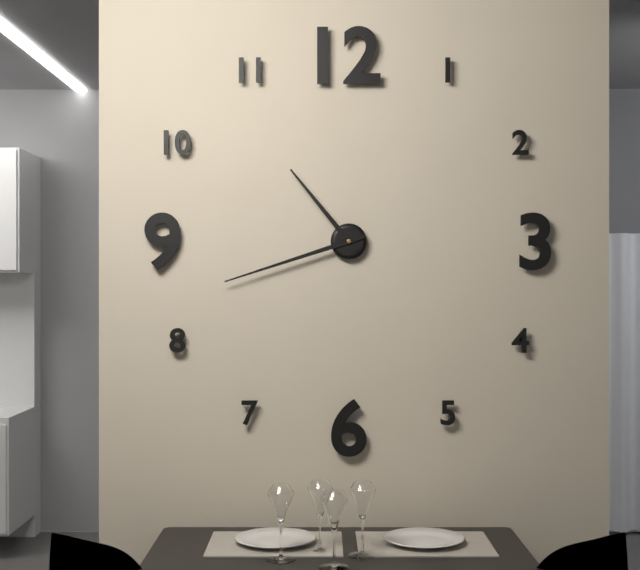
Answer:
{"hour": 10, "minute": 42}
